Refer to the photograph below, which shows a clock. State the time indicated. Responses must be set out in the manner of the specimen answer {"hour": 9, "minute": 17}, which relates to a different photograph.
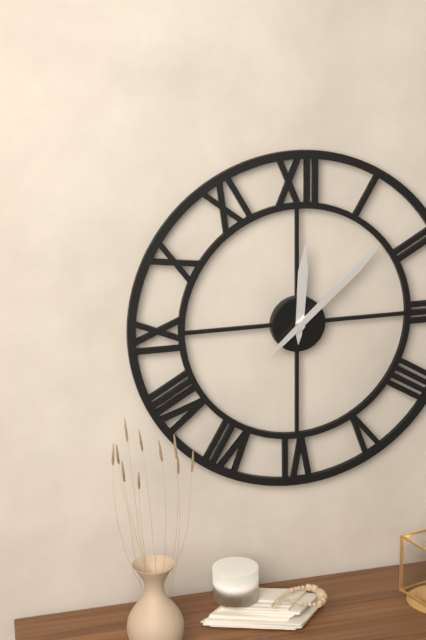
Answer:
{"hour": 12, "minute": 8}
